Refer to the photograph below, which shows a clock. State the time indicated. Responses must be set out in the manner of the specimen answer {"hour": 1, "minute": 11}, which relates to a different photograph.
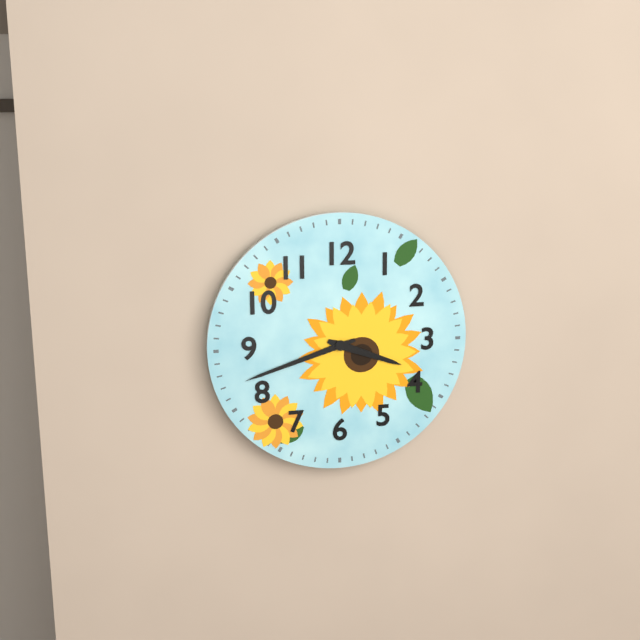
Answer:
{"hour": 3, "minute": 42}
